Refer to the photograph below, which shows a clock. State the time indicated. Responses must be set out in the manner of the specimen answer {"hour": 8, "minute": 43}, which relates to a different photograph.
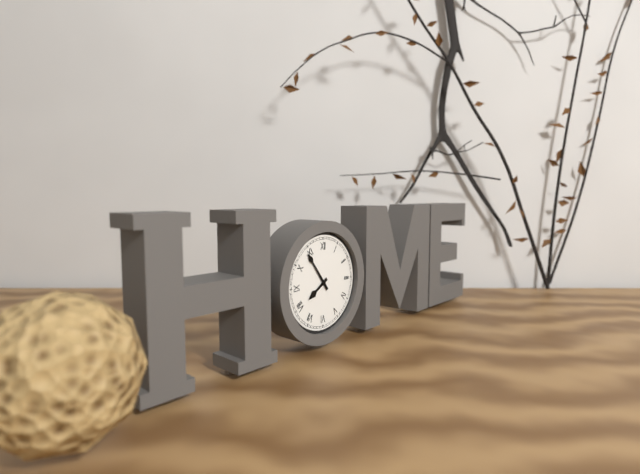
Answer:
{"hour": 7, "minute": 54}
